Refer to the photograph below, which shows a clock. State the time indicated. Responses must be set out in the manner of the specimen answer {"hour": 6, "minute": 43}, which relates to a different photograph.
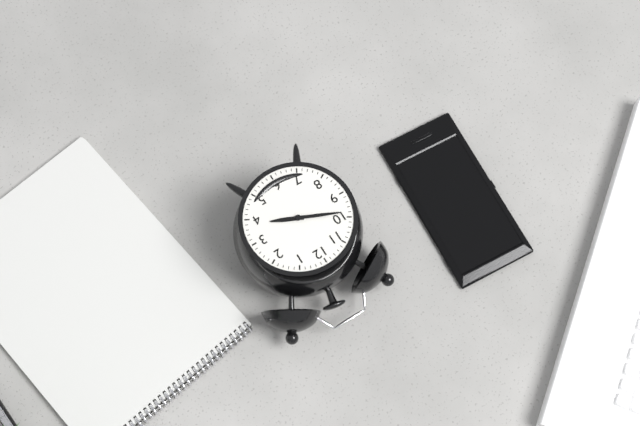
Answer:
{"hour": 3, "minute": 49}
